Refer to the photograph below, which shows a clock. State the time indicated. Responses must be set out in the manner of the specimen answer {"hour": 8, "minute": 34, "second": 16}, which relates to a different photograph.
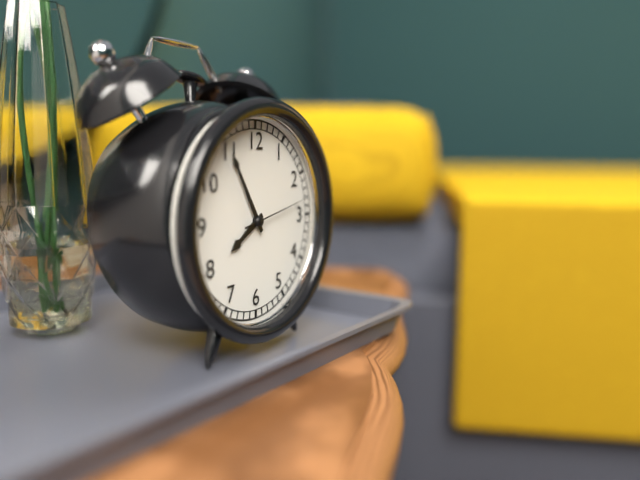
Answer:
{"hour": 7, "minute": 55, "second": 13}
